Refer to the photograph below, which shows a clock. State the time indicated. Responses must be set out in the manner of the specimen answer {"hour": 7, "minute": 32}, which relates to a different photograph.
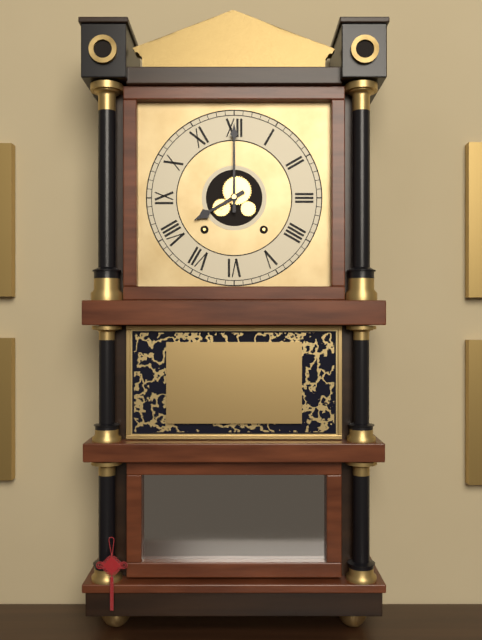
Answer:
{"hour": 8, "minute": 0}
